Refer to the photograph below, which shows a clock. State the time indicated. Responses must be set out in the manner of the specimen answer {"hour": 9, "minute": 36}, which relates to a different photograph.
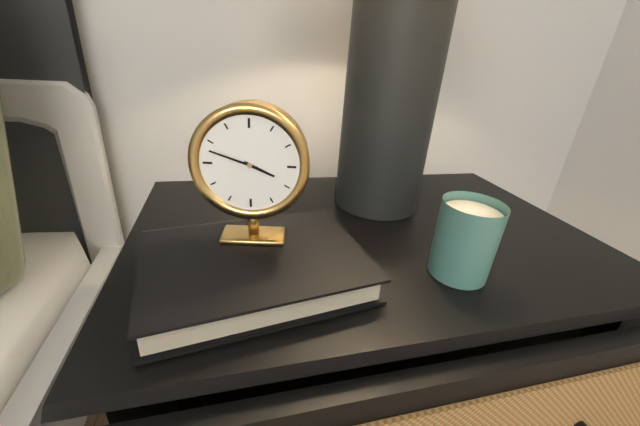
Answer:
{"hour": 3, "minute": 48}
